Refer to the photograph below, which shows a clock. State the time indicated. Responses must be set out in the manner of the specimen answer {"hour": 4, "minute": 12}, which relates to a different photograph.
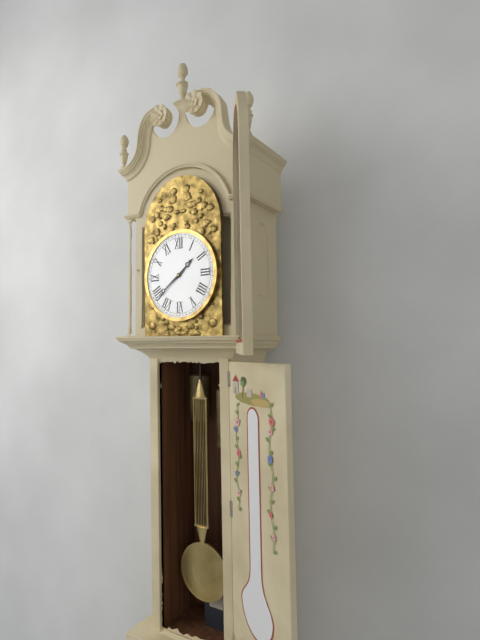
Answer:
{"hour": 1, "minute": 39}
